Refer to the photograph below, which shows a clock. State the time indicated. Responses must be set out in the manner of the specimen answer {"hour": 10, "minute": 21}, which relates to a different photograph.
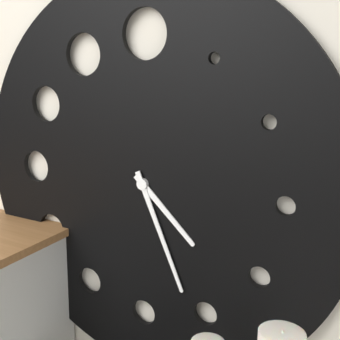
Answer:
{"hour": 4, "minute": 26}
